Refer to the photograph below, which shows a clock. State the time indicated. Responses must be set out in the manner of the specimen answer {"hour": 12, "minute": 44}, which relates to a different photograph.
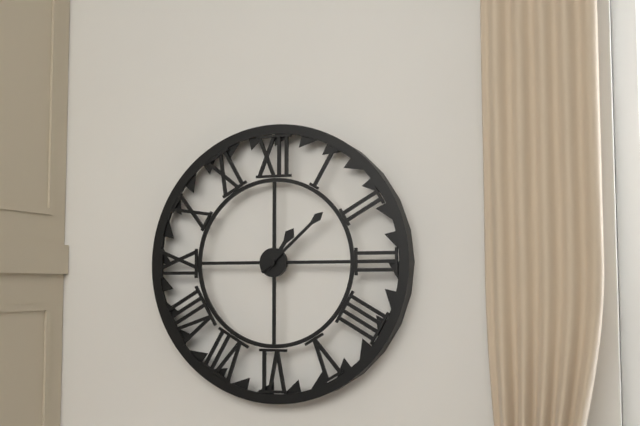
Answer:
{"hour": 1, "minute": 8}
